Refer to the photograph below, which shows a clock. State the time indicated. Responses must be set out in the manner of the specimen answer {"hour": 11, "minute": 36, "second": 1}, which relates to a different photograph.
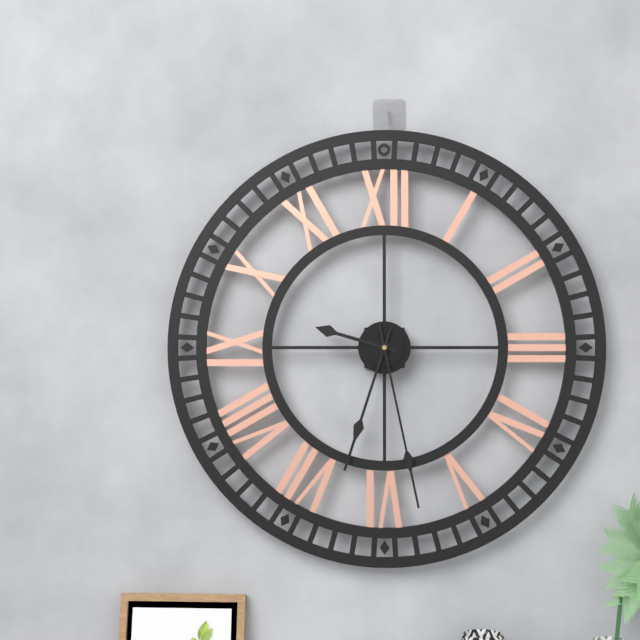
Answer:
{"hour": 9, "minute": 33, "second": 28}
